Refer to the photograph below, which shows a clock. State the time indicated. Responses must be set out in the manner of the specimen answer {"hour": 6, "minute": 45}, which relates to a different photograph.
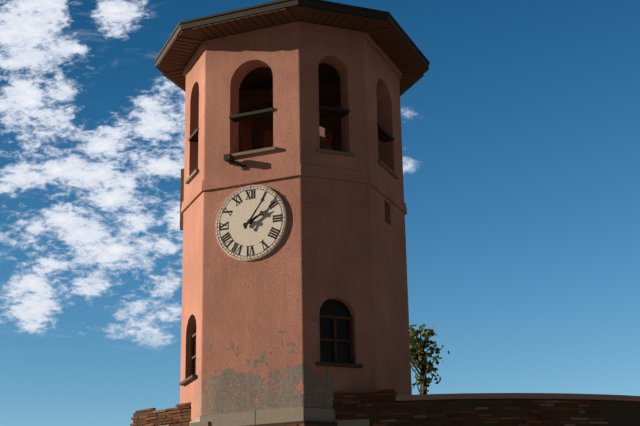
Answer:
{"hour": 2, "minute": 6}
